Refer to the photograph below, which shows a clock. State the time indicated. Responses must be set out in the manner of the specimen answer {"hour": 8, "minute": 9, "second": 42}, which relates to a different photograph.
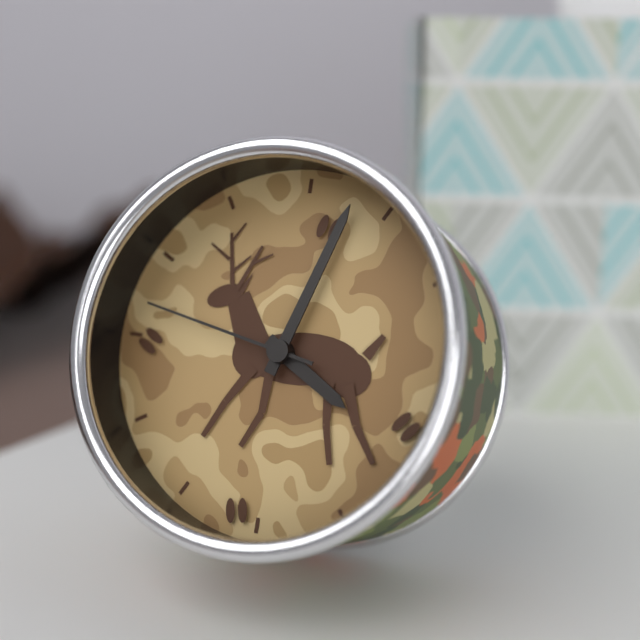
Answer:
{"hour": 4, "minute": 3, "second": 47}
